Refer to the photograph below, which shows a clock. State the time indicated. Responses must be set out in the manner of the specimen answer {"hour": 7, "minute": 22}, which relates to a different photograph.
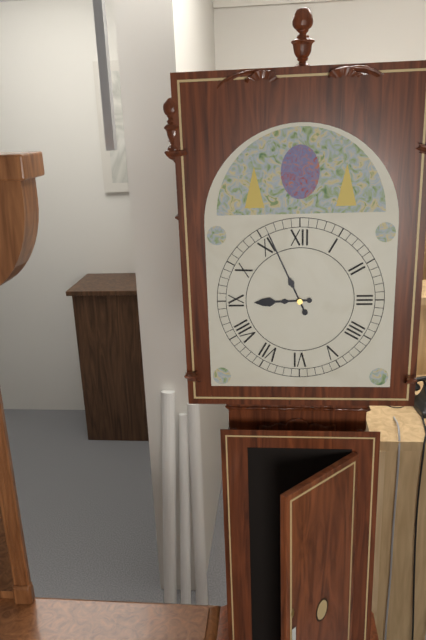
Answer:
{"hour": 8, "minute": 56}
